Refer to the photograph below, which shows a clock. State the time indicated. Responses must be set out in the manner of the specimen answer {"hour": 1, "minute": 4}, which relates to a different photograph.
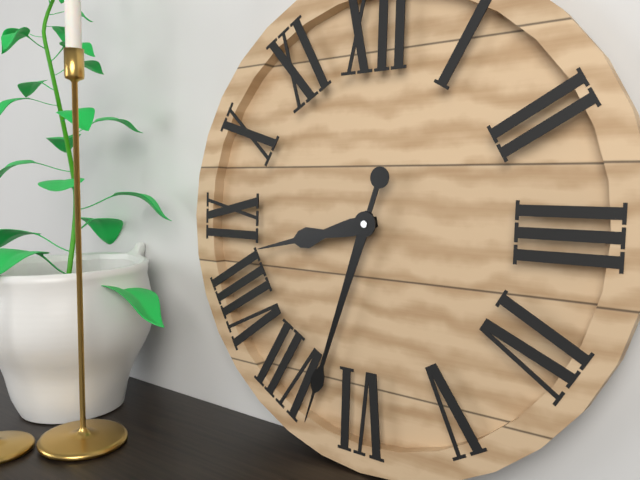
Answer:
{"hour": 8, "minute": 33}
